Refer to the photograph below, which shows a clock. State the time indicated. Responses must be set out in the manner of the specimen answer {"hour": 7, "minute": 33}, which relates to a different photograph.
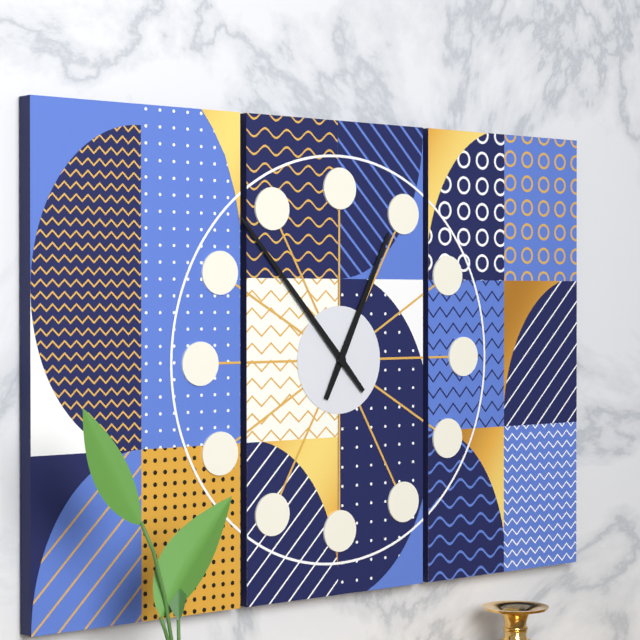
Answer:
{"hour": 12, "minute": 53}
